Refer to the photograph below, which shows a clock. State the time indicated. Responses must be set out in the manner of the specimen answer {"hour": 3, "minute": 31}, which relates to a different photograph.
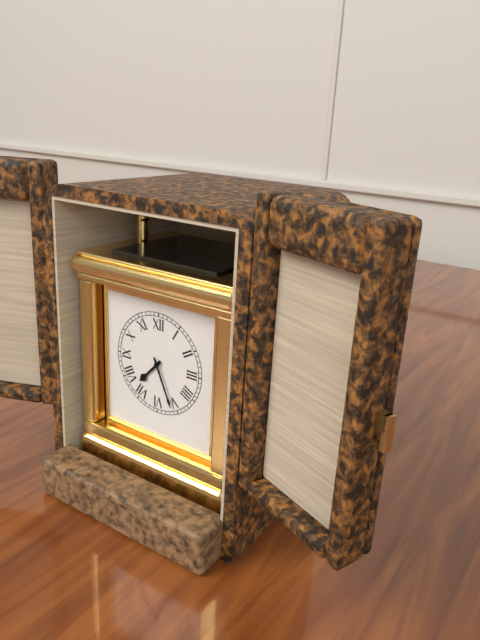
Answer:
{"hour": 7, "minute": 26}
